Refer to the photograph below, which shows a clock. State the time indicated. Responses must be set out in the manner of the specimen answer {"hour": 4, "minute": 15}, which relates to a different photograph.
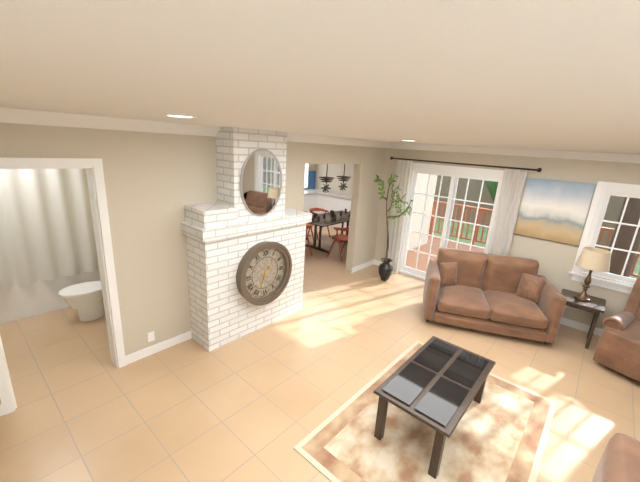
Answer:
{"hour": 1, "minute": 33}
